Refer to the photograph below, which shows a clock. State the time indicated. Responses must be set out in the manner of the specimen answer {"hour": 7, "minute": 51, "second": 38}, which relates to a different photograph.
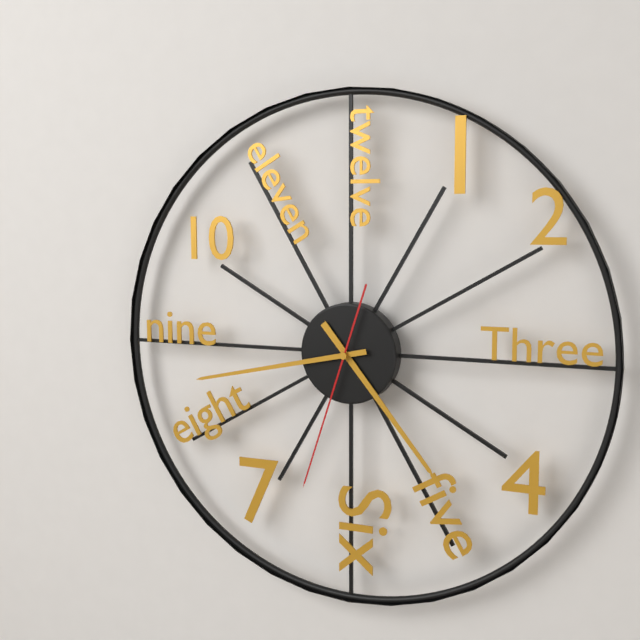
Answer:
{"hour": 4, "minute": 43, "second": 33}
